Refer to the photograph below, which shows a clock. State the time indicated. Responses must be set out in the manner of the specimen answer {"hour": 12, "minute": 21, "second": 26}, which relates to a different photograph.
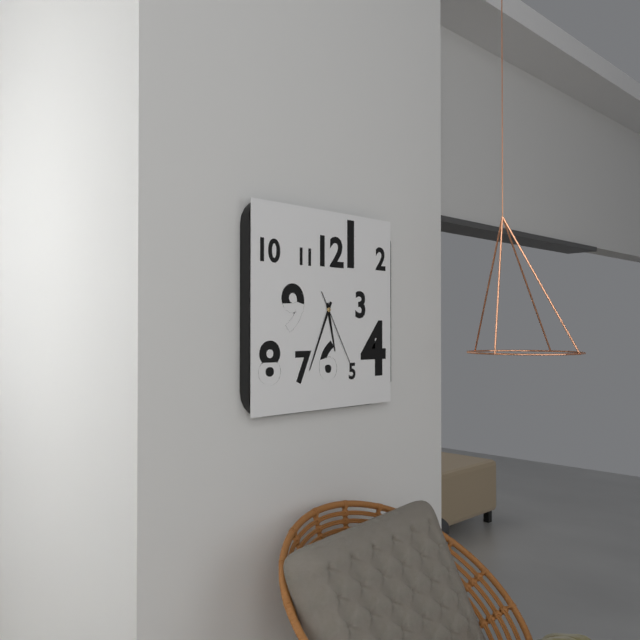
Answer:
{"hour": 5, "minute": 34, "second": 25}
